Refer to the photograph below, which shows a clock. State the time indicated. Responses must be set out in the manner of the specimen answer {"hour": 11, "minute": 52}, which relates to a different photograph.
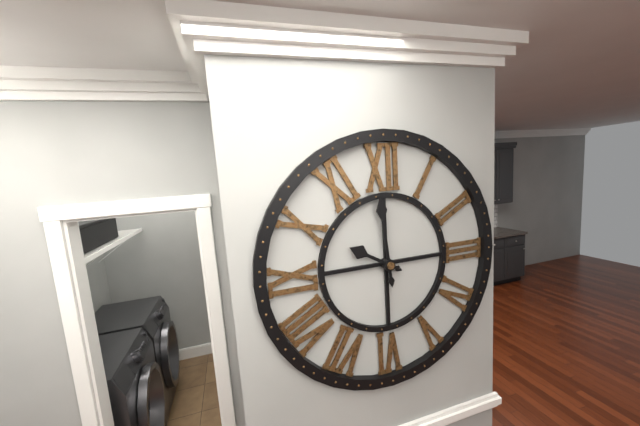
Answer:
{"hour": 9, "minute": 59}
